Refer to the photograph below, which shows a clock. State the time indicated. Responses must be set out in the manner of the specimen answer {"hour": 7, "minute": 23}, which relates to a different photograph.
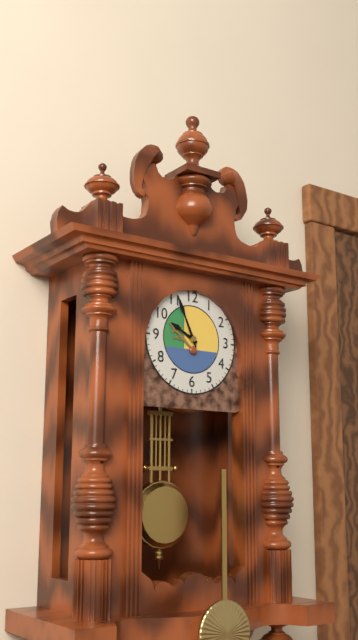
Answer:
{"hour": 9, "minute": 56}
